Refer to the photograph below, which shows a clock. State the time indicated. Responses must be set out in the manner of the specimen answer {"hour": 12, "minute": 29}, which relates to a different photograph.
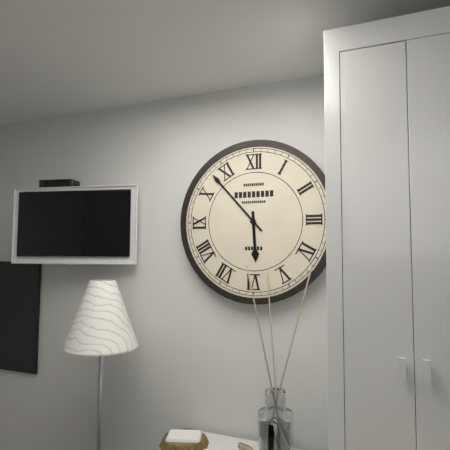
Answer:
{"hour": 5, "minute": 53}
